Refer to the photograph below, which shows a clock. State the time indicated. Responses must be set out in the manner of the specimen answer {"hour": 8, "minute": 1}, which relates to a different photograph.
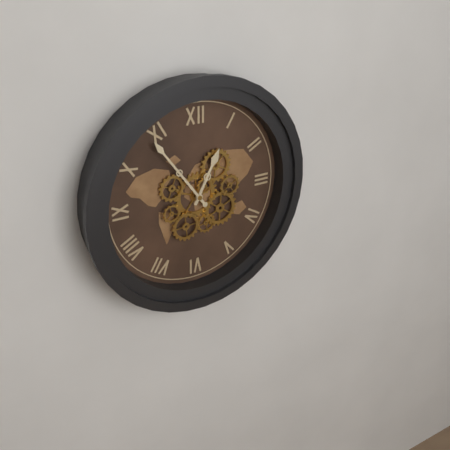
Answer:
{"hour": 12, "minute": 54}
